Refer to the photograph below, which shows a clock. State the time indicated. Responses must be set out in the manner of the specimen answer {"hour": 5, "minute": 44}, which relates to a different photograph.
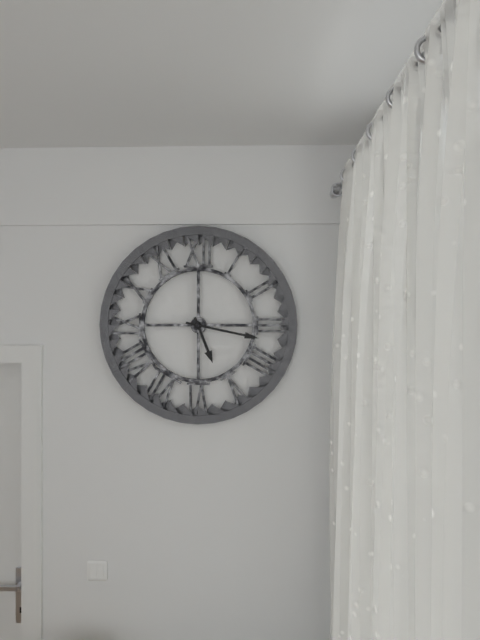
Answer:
{"hour": 5, "minute": 17}
